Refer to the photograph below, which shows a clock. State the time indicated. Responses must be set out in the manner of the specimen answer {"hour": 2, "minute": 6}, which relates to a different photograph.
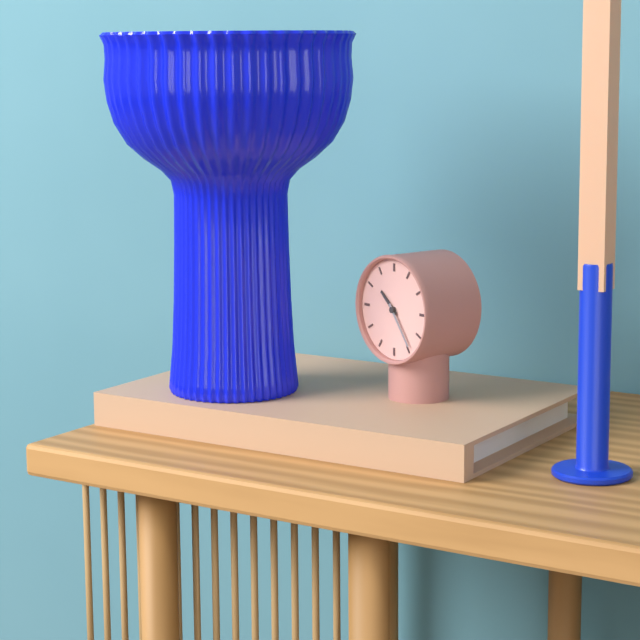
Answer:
{"hour": 10, "minute": 24}
